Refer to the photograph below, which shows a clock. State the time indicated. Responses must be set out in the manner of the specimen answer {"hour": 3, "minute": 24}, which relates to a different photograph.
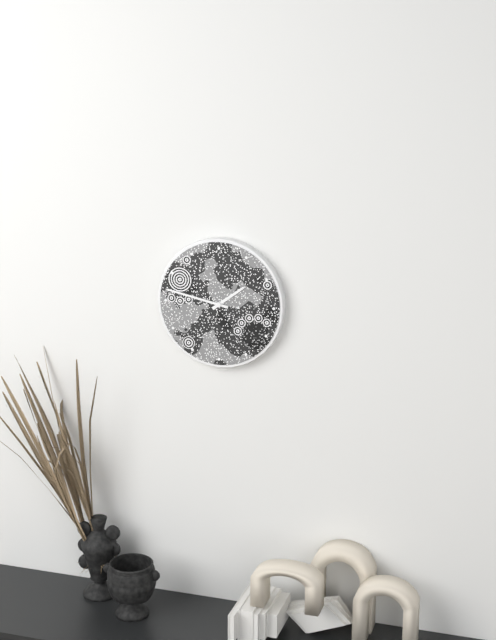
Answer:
{"hour": 1, "minute": 47}
